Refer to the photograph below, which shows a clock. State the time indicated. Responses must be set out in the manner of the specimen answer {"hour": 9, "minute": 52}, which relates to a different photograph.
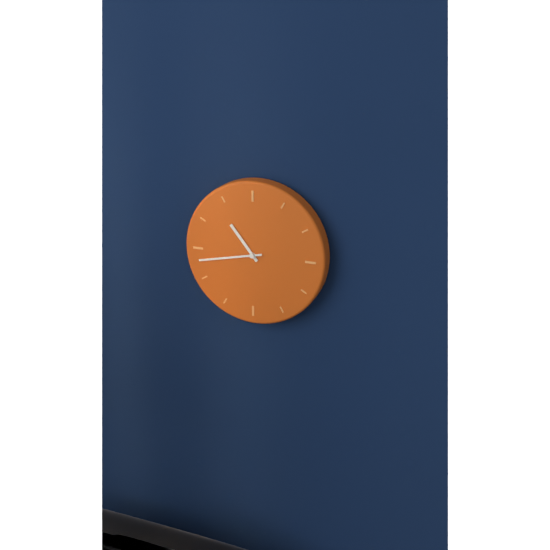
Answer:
{"hour": 10, "minute": 43}
